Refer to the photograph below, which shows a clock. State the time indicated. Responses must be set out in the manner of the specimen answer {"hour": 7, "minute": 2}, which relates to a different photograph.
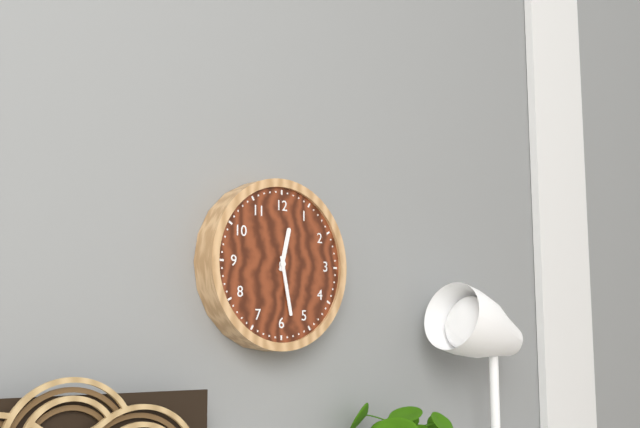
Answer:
{"hour": 12, "minute": 28}
